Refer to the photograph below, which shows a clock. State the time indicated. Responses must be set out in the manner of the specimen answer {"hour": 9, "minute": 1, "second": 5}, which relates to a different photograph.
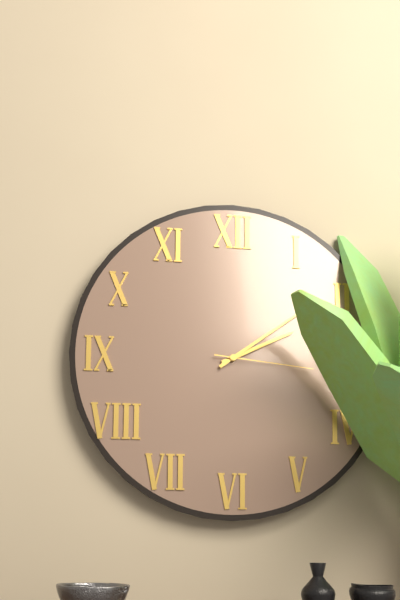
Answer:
{"hour": 2, "minute": 9, "second": 16}
